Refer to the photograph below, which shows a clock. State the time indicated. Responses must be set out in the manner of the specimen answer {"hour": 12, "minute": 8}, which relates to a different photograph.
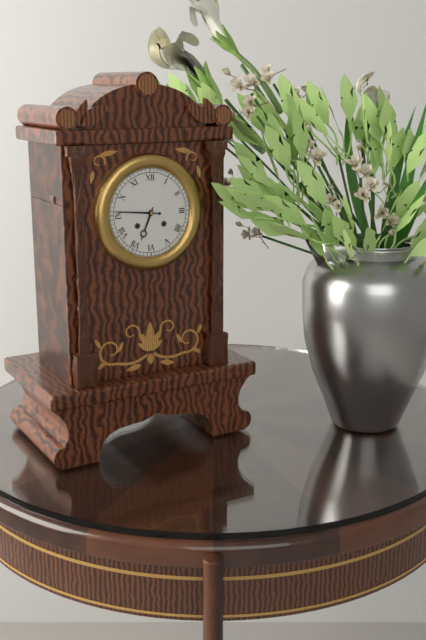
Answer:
{"hour": 6, "minute": 46}
